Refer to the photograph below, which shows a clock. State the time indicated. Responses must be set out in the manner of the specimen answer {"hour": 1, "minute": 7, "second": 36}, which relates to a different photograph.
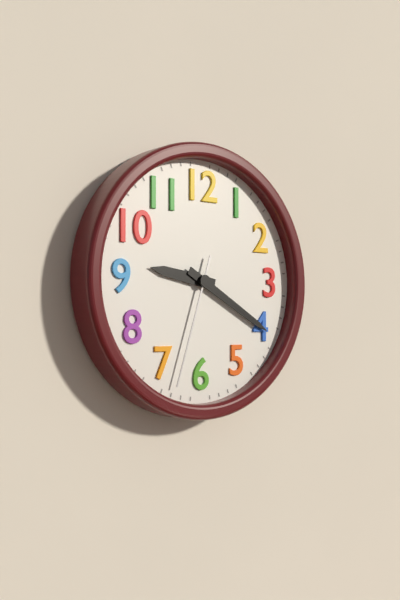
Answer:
{"hour": 9, "minute": 20, "second": 33}
